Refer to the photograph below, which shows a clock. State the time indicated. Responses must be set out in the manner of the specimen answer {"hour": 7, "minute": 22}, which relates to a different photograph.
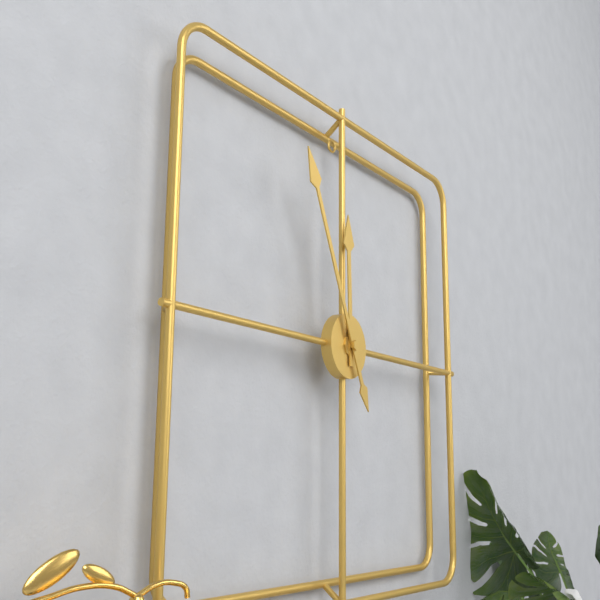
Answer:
{"hour": 11, "minute": 56}
